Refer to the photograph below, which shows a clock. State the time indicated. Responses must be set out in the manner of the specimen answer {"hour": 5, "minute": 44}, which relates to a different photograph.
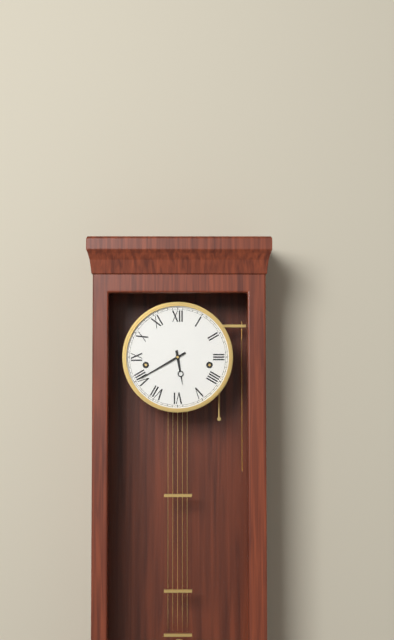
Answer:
{"hour": 5, "minute": 40}
